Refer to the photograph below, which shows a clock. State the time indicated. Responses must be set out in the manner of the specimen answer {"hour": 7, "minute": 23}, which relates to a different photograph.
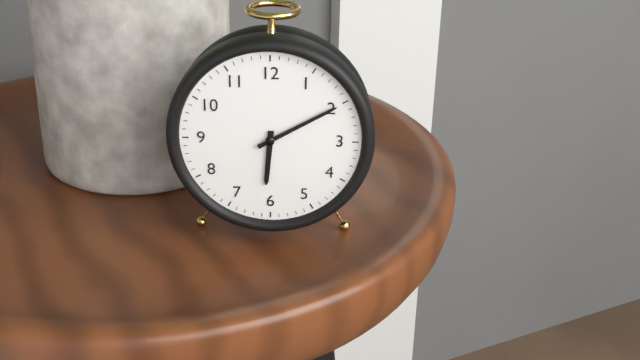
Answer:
{"hour": 6, "minute": 10}
